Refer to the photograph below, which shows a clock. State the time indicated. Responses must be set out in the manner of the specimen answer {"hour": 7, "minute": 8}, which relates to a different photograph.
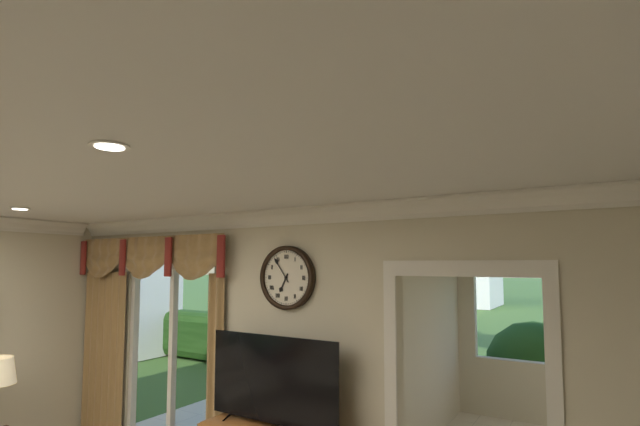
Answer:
{"hour": 6, "minute": 54}
